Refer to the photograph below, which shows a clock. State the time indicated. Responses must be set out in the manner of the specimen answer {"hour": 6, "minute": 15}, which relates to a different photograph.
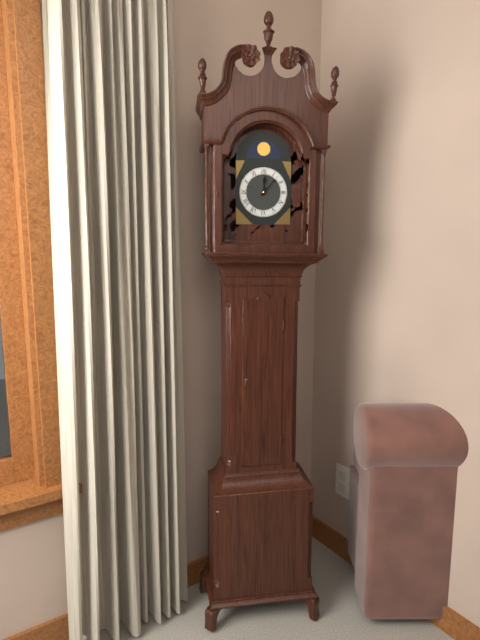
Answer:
{"hour": 12, "minute": 7}
